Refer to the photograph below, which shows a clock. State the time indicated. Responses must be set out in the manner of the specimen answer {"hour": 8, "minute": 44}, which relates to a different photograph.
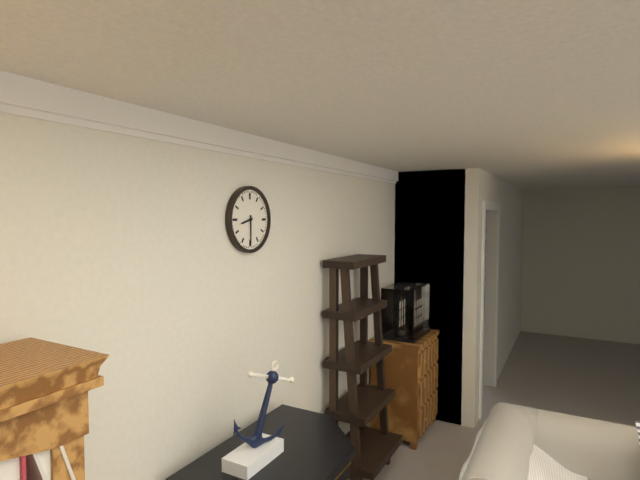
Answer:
{"hour": 8, "minute": 30}
